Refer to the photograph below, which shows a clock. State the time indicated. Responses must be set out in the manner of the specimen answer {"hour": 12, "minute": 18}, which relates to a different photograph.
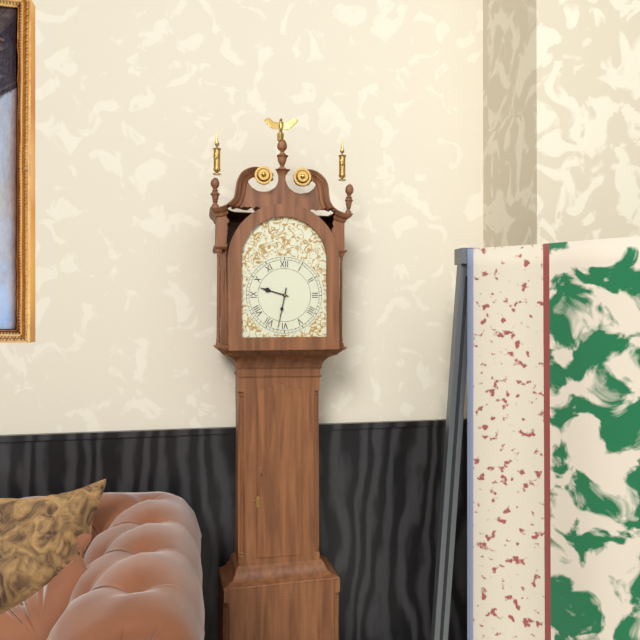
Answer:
{"hour": 9, "minute": 32}
